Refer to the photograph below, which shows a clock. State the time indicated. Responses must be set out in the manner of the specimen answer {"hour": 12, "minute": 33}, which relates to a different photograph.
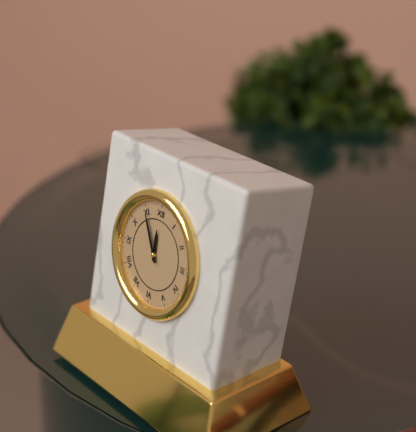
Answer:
{"hour": 11, "minute": 55}
